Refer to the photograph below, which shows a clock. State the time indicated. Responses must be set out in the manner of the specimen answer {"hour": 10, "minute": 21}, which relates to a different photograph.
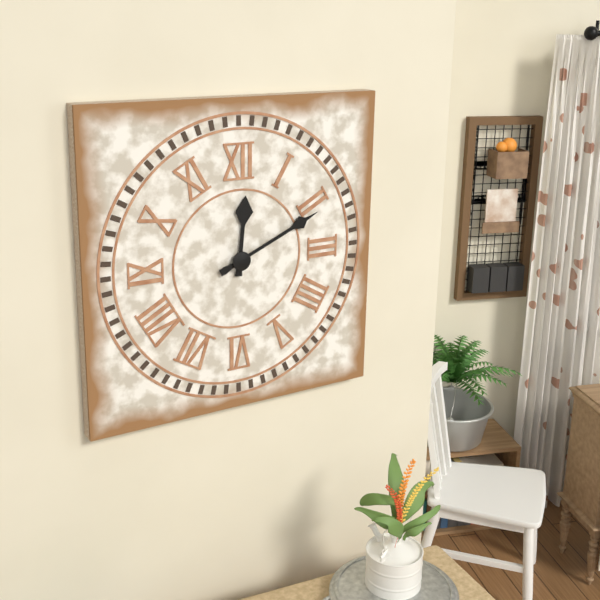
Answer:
{"hour": 12, "minute": 11}
